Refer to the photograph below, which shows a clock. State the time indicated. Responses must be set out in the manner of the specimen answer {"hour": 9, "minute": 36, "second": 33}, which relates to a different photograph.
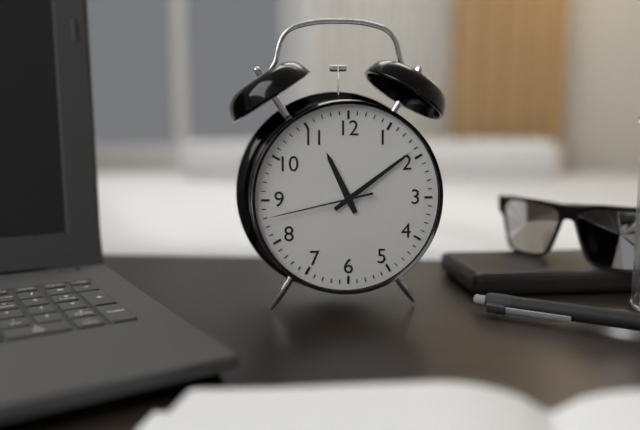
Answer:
{"hour": 11, "minute": 9, "second": 43}
